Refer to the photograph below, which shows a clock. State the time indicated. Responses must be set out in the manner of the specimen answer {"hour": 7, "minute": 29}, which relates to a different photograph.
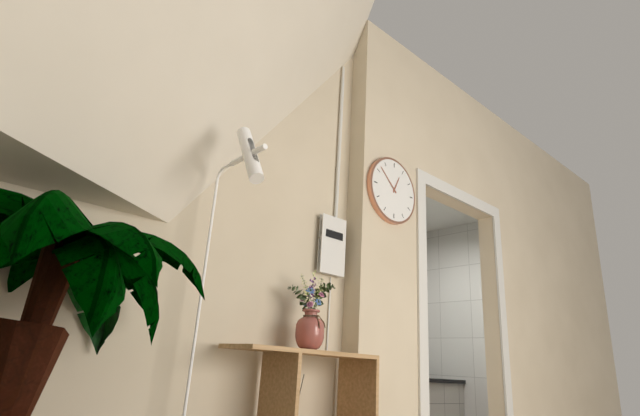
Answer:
{"hour": 12, "minute": 52}
